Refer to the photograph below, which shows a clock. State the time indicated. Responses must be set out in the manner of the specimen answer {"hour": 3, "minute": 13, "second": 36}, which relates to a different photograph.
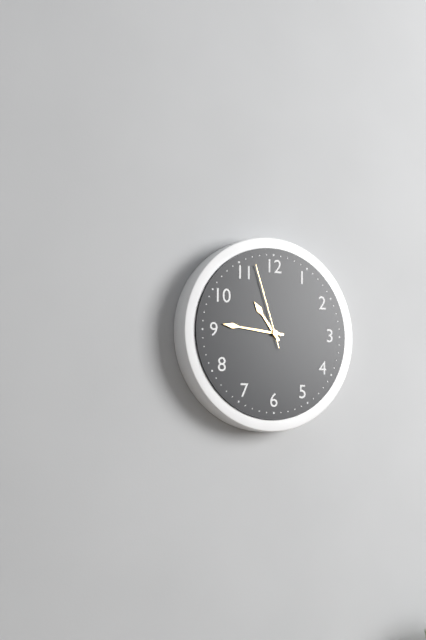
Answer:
{"hour": 10, "minute": 46, "second": 57}
